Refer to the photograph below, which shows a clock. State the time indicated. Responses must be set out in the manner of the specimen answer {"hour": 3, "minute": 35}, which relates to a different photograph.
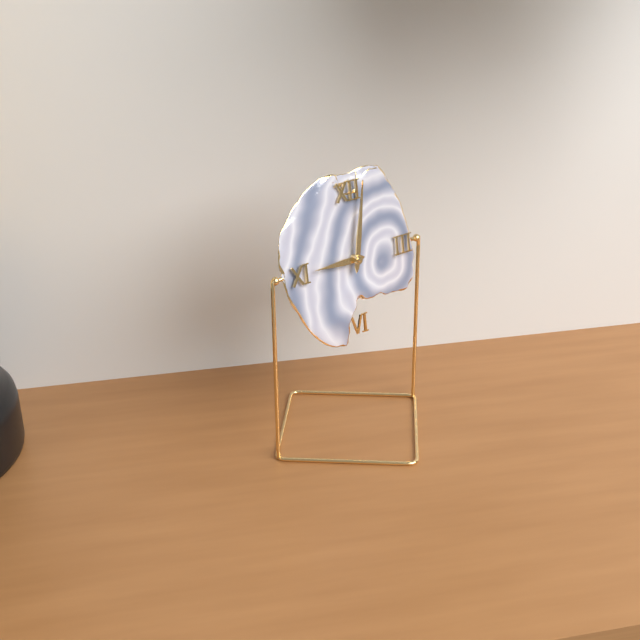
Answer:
{"hour": 9, "minute": 2}
